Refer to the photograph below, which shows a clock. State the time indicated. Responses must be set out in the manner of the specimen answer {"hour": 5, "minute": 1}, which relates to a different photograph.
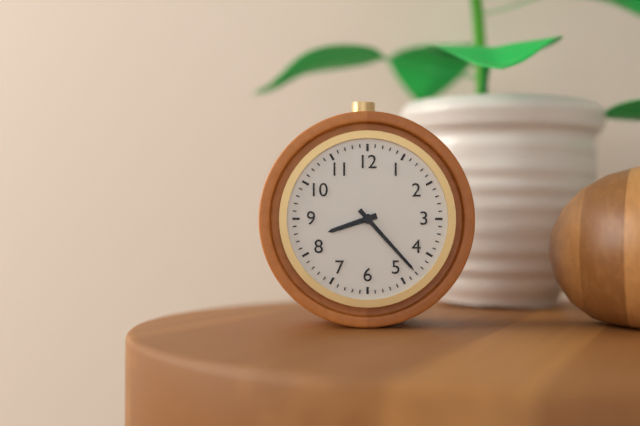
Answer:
{"hour": 8, "minute": 23}
